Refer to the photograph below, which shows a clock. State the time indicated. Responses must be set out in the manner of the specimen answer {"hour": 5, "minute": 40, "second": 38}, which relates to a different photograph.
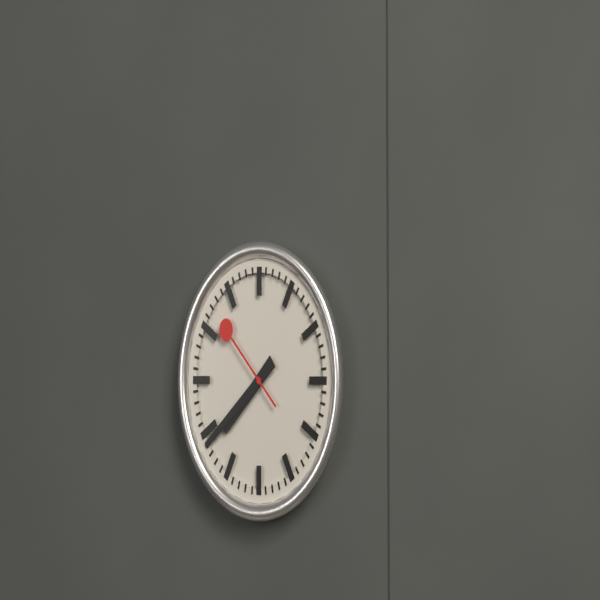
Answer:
{"hour": 7, "minute": 39, "second": 52}
